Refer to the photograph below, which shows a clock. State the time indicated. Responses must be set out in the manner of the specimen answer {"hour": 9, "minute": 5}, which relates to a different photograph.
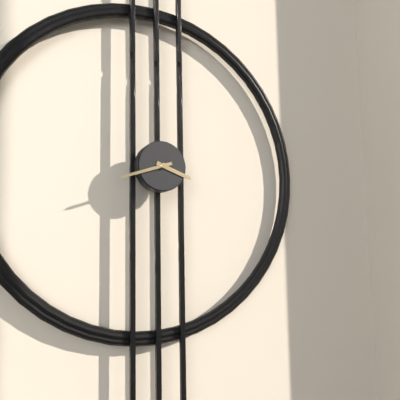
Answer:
{"hour": 3, "minute": 42}
